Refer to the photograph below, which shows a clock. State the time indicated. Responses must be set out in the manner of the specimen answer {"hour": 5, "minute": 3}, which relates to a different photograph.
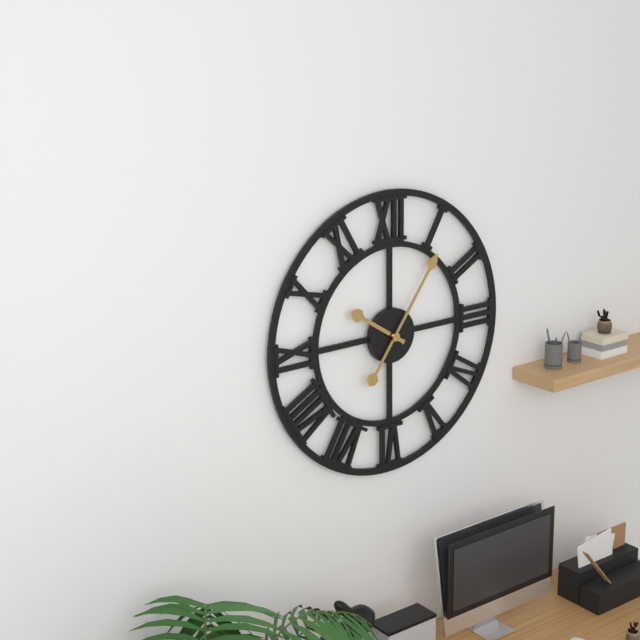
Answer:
{"hour": 10, "minute": 6}
